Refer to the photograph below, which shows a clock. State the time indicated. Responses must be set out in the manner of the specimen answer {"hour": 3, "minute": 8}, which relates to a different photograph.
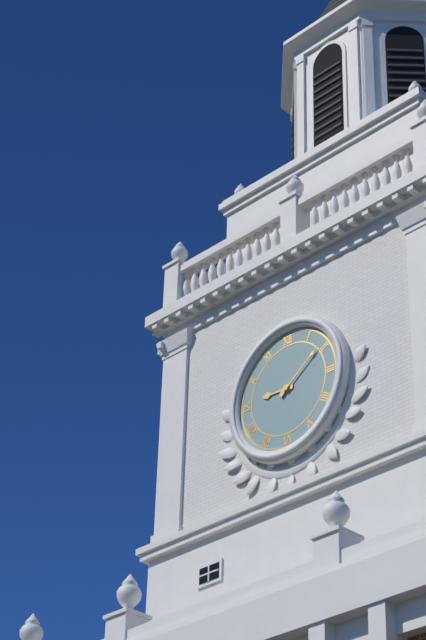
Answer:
{"hour": 9, "minute": 9}
